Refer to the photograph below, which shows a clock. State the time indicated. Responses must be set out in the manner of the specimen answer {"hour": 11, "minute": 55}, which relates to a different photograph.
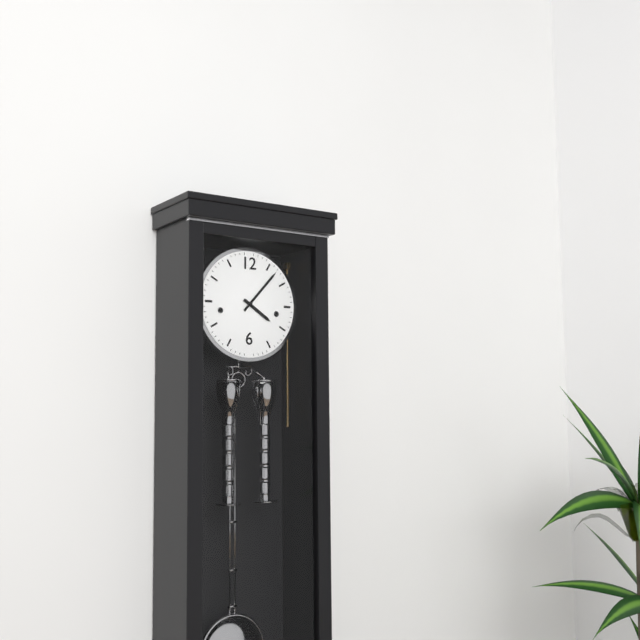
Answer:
{"hour": 4, "minute": 7}
